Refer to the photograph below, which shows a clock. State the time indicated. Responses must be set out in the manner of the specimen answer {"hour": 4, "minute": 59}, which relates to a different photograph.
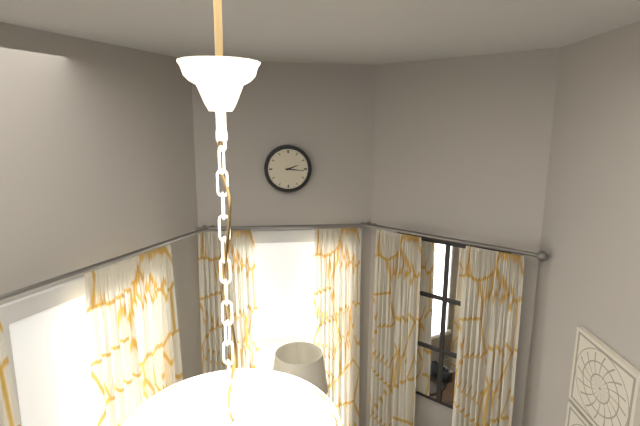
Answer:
{"hour": 2, "minute": 16}
